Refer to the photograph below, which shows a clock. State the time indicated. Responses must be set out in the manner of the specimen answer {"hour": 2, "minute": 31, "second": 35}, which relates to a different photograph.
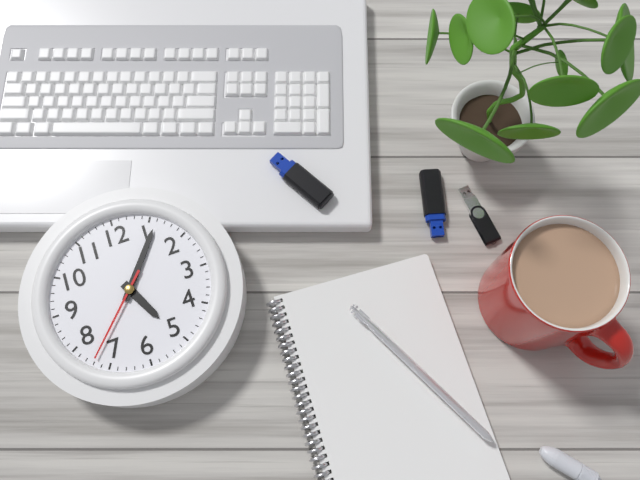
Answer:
{"hour": 5, "minute": 6, "second": 37}
